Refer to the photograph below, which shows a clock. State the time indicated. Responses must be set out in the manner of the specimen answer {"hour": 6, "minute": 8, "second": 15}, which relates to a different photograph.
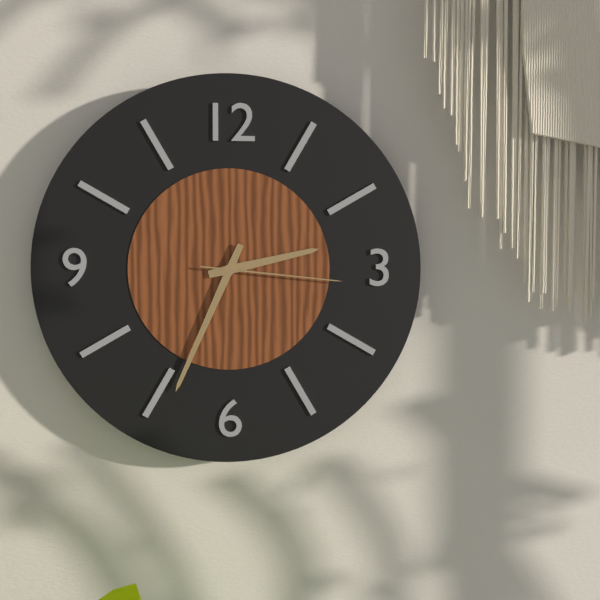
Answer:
{"hour": 2, "minute": 34, "second": 16}
